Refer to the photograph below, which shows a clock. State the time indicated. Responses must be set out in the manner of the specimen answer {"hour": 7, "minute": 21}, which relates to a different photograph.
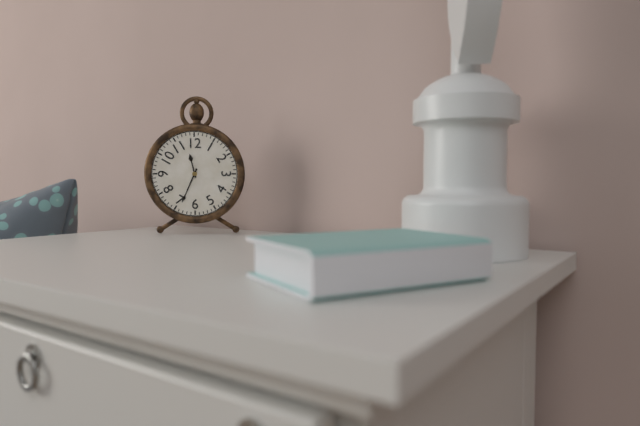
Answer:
{"hour": 11, "minute": 34}
